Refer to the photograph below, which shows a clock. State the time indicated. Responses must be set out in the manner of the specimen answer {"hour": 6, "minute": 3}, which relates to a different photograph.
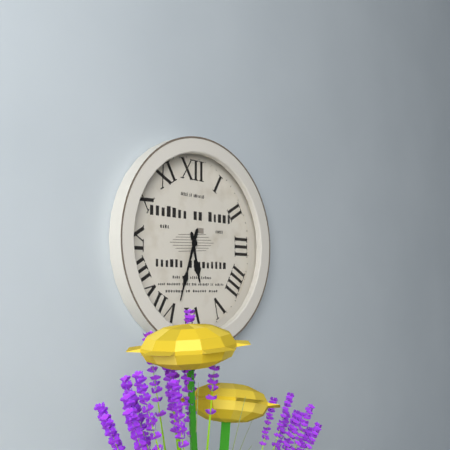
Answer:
{"hour": 5, "minute": 33}
